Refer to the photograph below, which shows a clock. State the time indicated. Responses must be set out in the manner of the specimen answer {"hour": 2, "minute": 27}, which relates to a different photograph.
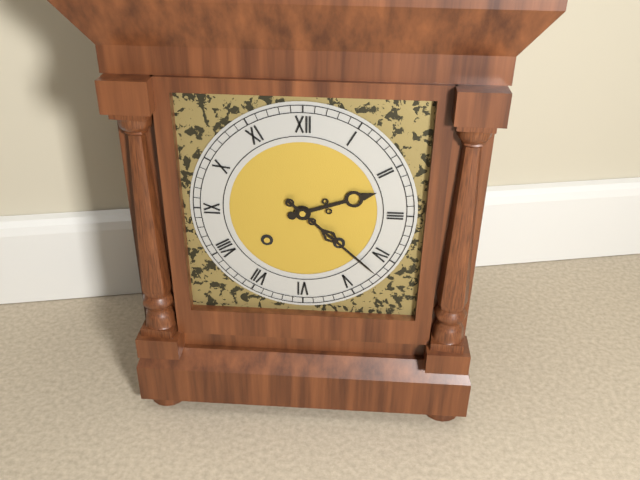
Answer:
{"hour": 2, "minute": 22}
